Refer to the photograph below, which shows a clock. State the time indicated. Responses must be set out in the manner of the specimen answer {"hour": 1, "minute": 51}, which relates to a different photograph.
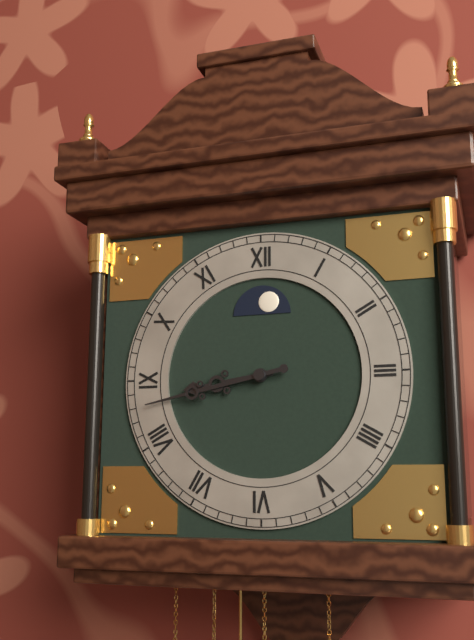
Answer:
{"hour": 8, "minute": 43}
